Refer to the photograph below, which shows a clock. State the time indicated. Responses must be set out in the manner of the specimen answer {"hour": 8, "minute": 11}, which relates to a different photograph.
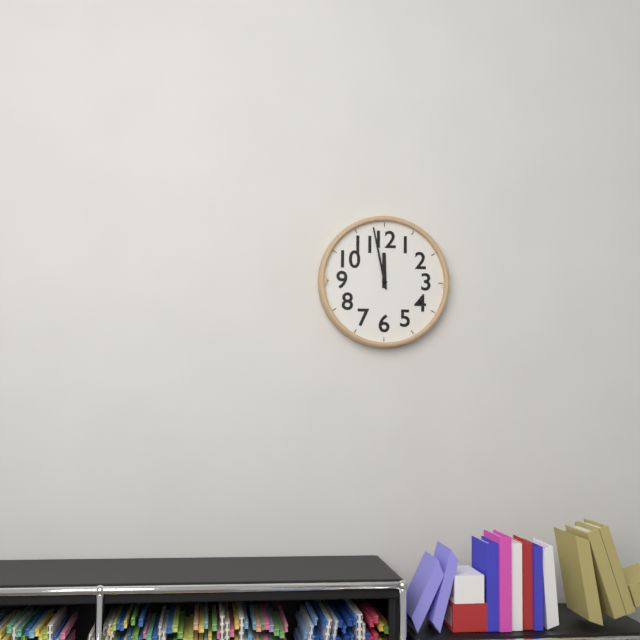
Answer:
{"hour": 11, "minute": 58}
